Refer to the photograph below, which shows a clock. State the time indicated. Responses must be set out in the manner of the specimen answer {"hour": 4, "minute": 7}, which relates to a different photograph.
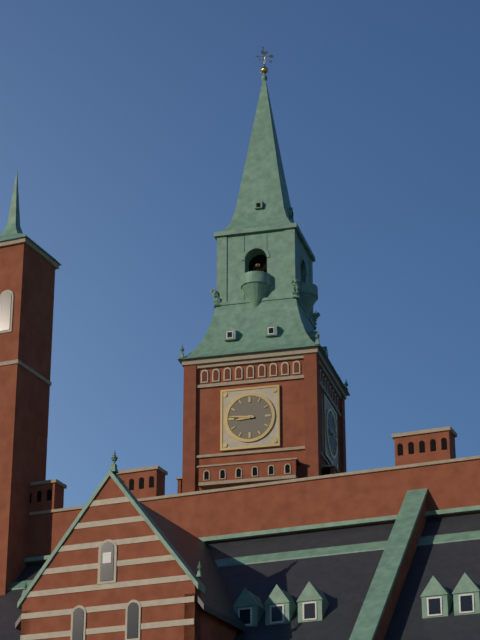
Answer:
{"hour": 8, "minute": 46}
